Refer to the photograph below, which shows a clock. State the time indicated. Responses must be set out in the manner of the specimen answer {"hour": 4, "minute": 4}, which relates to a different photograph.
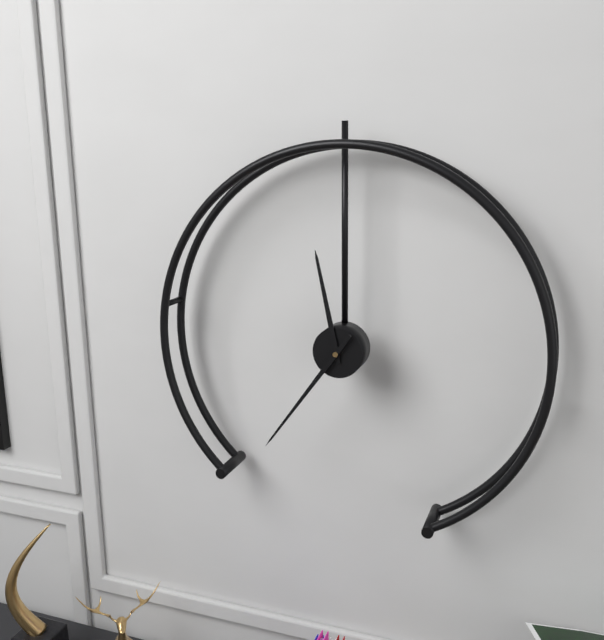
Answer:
{"hour": 11, "minute": 36}
